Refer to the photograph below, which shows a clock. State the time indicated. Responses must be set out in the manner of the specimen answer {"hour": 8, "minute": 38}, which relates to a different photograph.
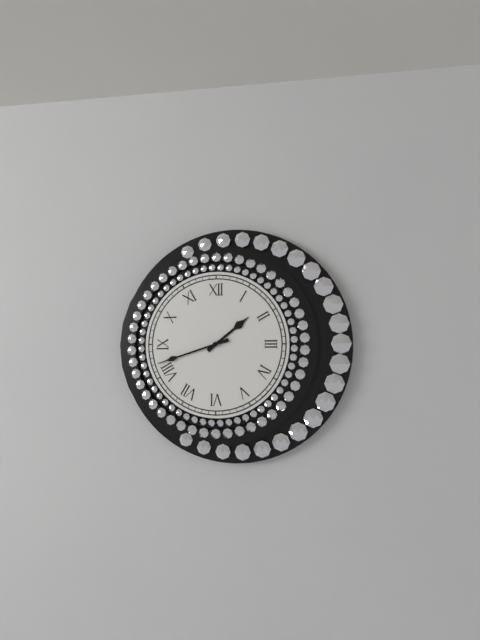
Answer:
{"hour": 1, "minute": 42}
